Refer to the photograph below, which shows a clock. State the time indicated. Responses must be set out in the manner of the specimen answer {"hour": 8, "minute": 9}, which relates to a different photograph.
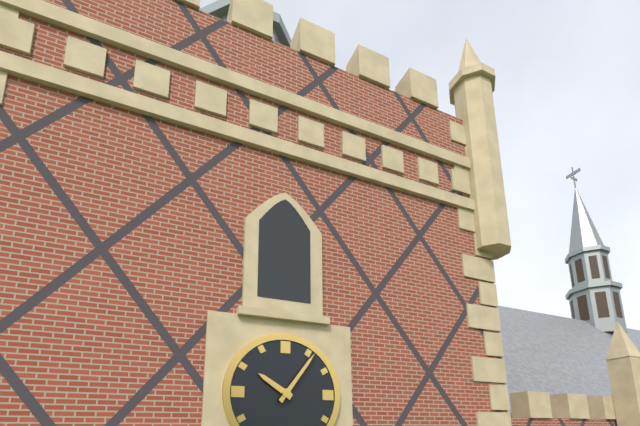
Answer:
{"hour": 10, "minute": 6}
